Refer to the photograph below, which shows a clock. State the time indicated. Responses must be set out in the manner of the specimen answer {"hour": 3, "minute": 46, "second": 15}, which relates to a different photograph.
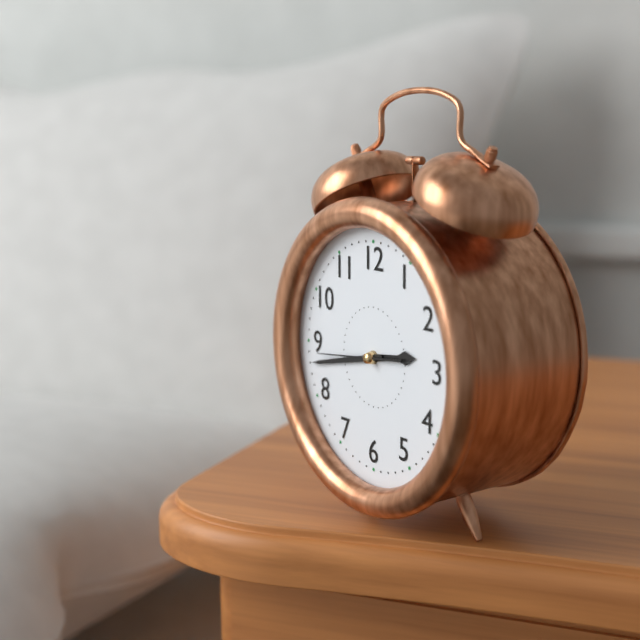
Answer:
{"hour": 2, "minute": 43, "second": 44}
